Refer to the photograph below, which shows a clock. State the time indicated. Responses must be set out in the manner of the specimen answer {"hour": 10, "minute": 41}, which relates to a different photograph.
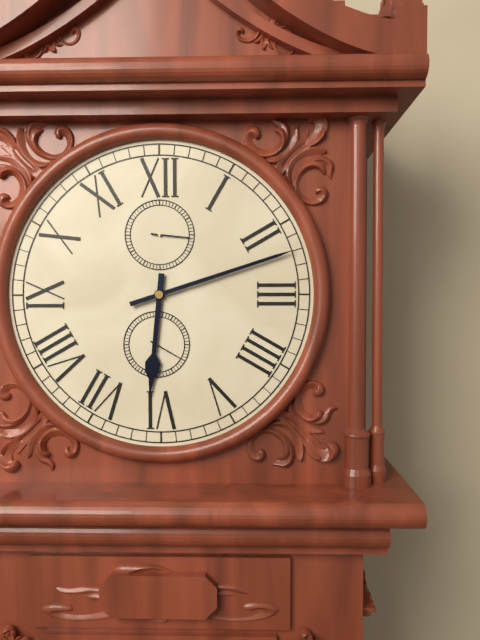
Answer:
{"hour": 6, "minute": 12}
